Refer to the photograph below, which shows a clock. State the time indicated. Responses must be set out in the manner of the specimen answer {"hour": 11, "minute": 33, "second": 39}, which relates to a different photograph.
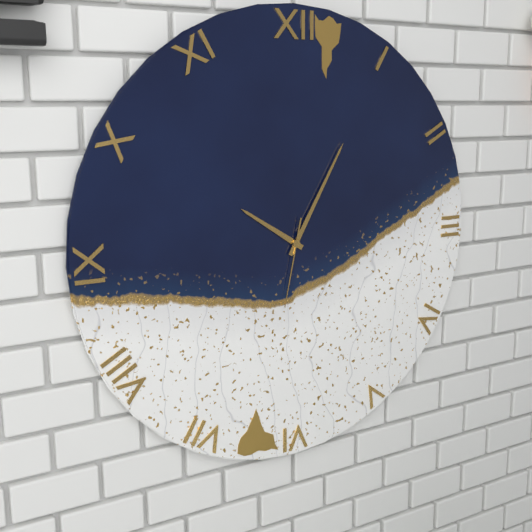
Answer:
{"hour": 10, "minute": 5, "second": 32}
